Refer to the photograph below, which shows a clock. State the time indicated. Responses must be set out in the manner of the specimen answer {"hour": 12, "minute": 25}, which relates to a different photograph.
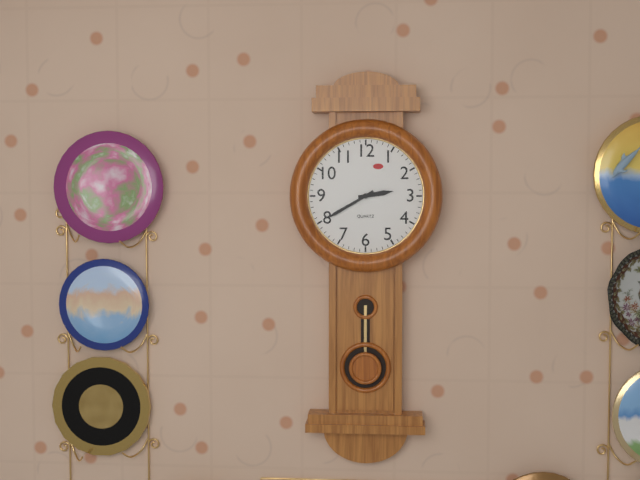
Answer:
{"hour": 2, "minute": 40}
